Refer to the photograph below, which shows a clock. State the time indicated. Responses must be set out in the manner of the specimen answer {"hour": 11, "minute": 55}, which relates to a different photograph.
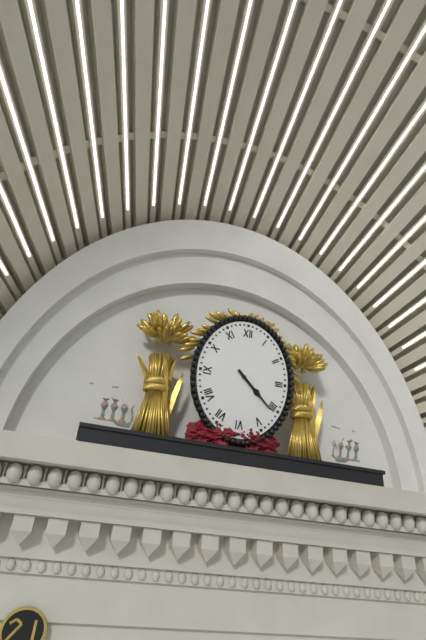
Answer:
{"hour": 4, "minute": 22}
